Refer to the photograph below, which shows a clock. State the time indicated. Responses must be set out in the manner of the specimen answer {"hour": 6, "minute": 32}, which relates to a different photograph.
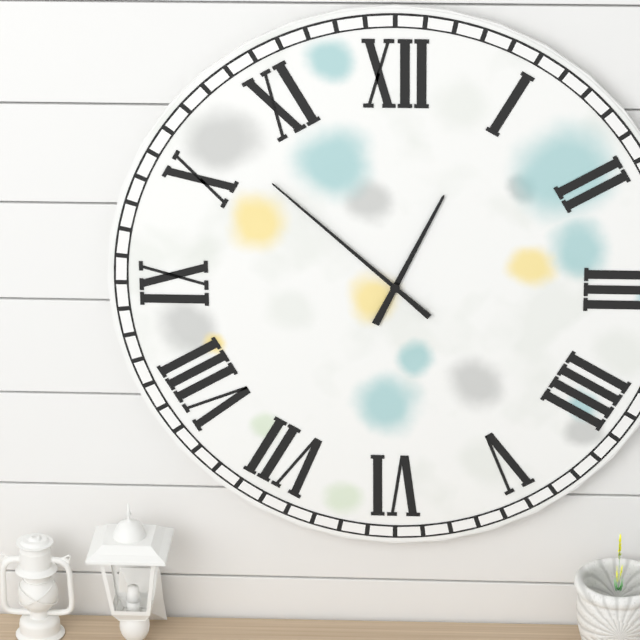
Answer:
{"hour": 12, "minute": 52}
